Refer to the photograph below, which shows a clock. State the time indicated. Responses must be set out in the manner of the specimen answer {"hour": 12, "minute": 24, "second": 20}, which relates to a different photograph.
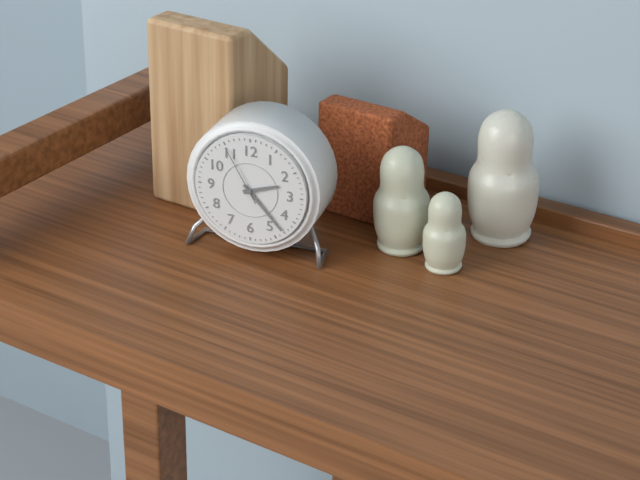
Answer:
{"hour": 2, "minute": 23, "second": 55}
